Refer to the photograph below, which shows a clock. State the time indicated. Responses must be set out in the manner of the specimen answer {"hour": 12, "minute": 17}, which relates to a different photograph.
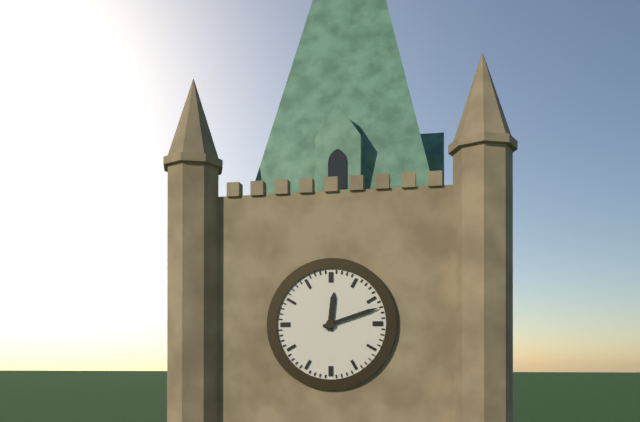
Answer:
{"hour": 12, "minute": 12}
